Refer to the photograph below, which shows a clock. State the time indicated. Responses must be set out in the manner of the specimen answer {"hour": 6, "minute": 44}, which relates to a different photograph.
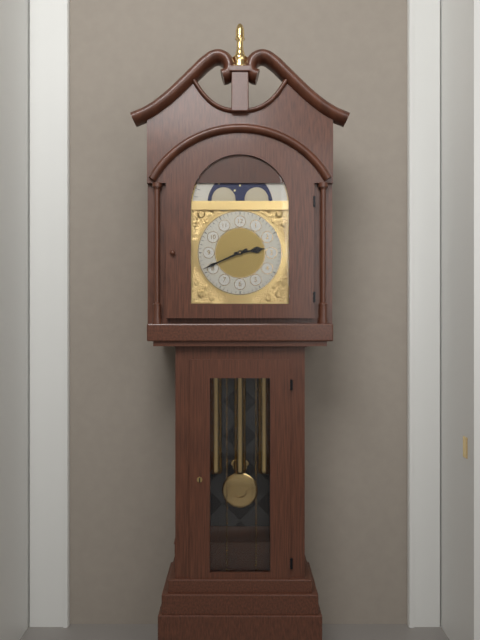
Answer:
{"hour": 2, "minute": 41}
